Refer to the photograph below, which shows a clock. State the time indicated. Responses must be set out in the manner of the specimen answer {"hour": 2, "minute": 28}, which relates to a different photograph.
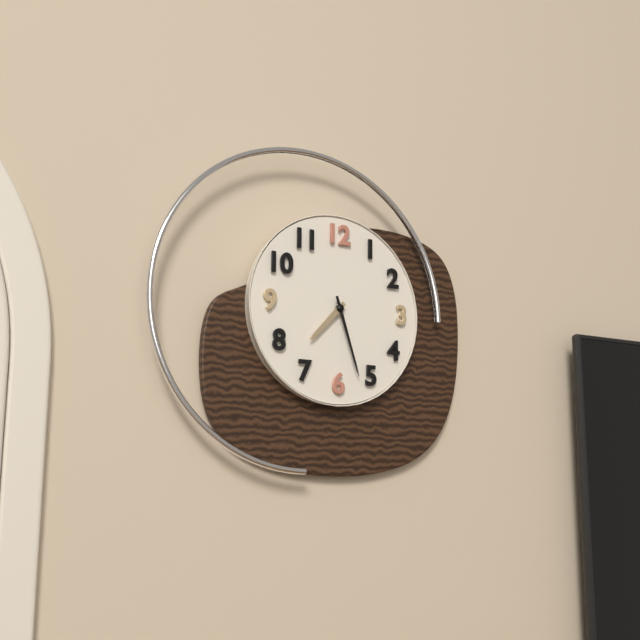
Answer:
{"hour": 7, "minute": 27}
